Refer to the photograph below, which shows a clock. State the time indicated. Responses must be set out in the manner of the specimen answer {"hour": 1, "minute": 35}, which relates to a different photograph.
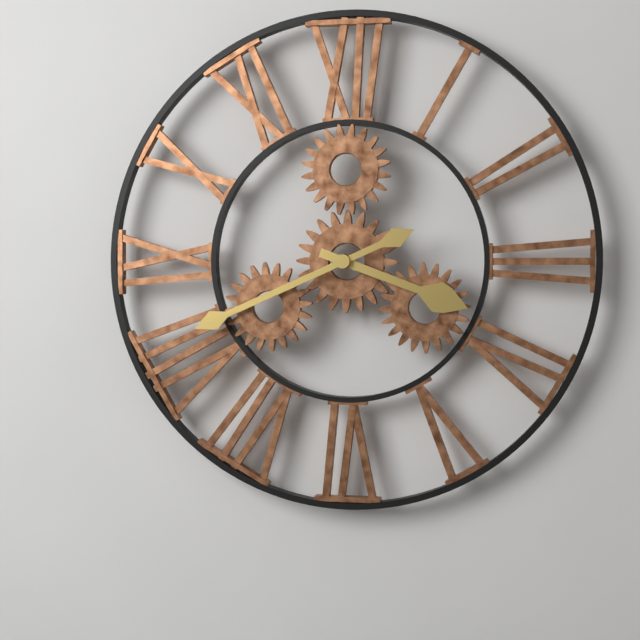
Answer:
{"hour": 3, "minute": 41}
